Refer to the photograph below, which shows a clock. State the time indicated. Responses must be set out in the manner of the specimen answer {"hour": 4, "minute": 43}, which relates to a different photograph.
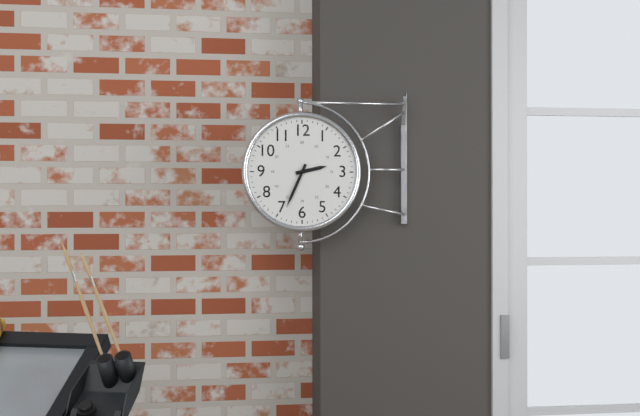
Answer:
{"hour": 2, "minute": 34}
